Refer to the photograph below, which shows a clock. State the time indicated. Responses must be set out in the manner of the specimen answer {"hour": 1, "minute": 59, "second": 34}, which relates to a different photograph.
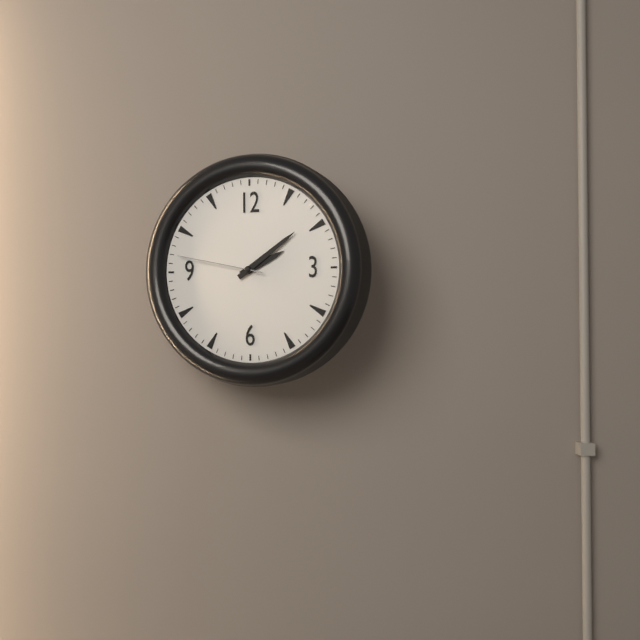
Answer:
{"hour": 2, "minute": 9, "second": 47}
